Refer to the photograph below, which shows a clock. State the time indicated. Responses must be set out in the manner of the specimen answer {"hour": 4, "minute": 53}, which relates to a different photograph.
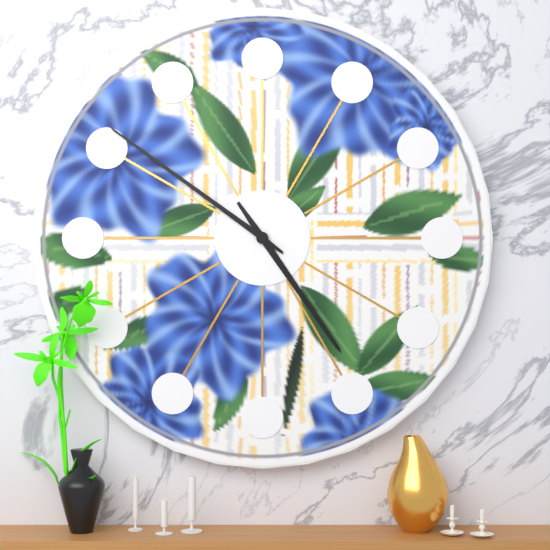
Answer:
{"hour": 4, "minute": 51}
